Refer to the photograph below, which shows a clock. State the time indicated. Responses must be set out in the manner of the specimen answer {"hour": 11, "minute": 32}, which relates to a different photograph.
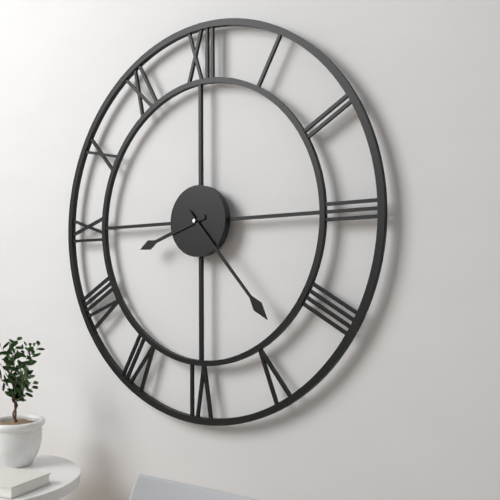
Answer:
{"hour": 8, "minute": 23}
